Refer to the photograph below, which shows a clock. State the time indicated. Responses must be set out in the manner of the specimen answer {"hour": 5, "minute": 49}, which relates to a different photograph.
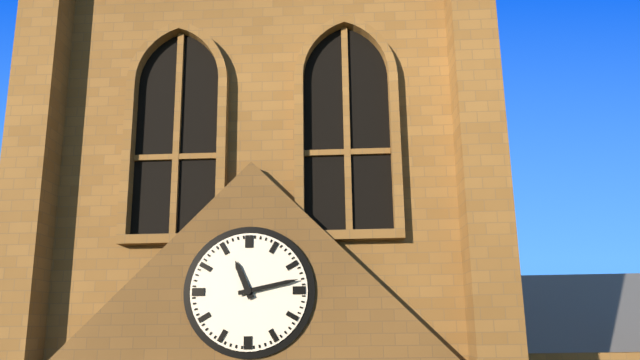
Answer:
{"hour": 11, "minute": 13}
